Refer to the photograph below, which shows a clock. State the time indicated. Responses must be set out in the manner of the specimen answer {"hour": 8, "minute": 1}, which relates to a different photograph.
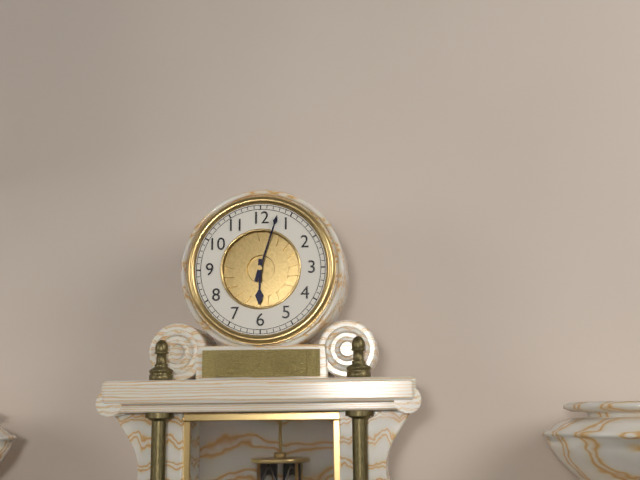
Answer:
{"hour": 6, "minute": 3}
